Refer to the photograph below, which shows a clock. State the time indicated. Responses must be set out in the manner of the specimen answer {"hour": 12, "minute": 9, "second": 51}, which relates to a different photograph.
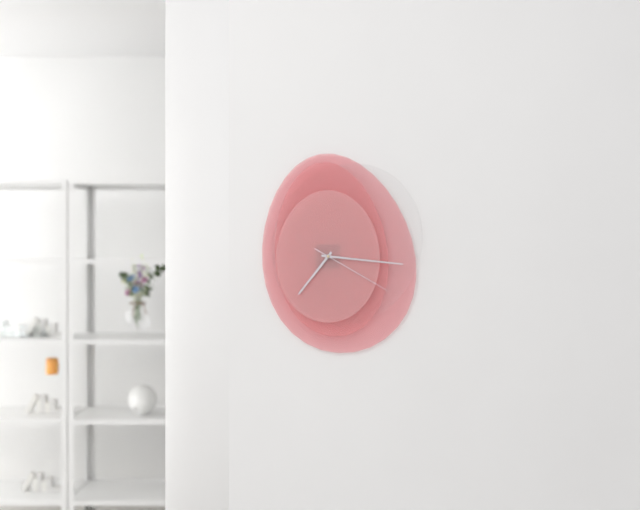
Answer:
{"hour": 7, "minute": 16, "second": 20}
